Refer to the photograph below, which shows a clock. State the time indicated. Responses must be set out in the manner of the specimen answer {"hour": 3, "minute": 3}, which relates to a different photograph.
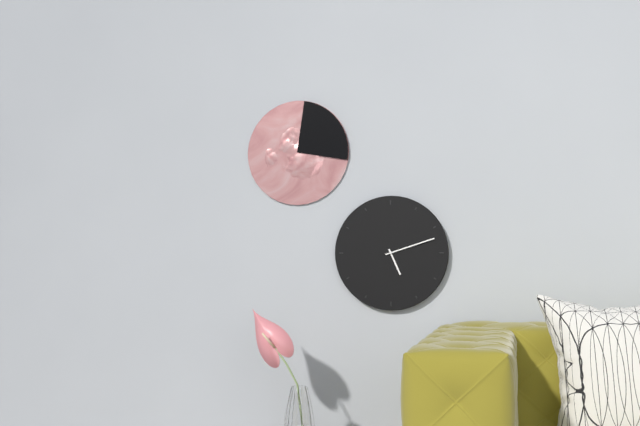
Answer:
{"hour": 5, "minute": 12}
